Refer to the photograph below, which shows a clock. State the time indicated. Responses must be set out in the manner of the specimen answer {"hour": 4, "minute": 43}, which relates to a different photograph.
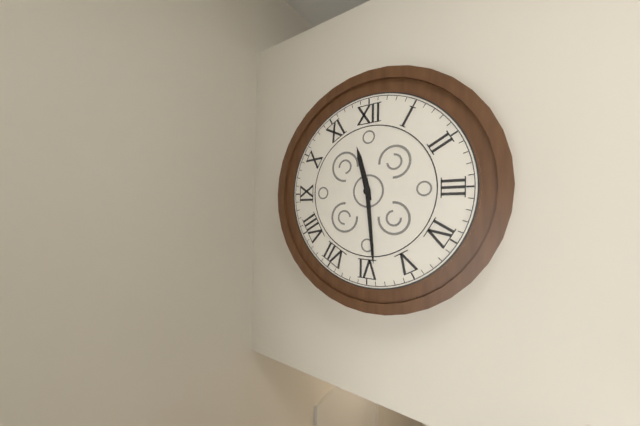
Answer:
{"hour": 11, "minute": 29}
